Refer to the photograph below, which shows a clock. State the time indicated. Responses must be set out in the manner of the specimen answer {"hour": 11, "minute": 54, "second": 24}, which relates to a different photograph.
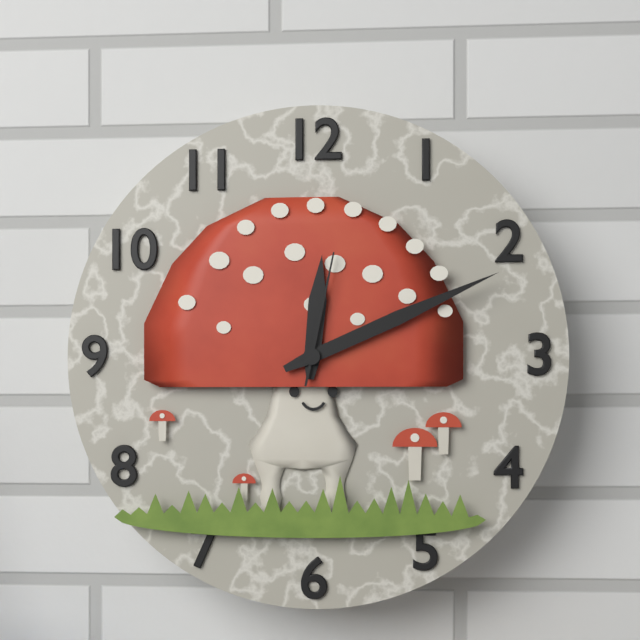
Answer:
{"hour": 12, "minute": 11, "second": 2}
